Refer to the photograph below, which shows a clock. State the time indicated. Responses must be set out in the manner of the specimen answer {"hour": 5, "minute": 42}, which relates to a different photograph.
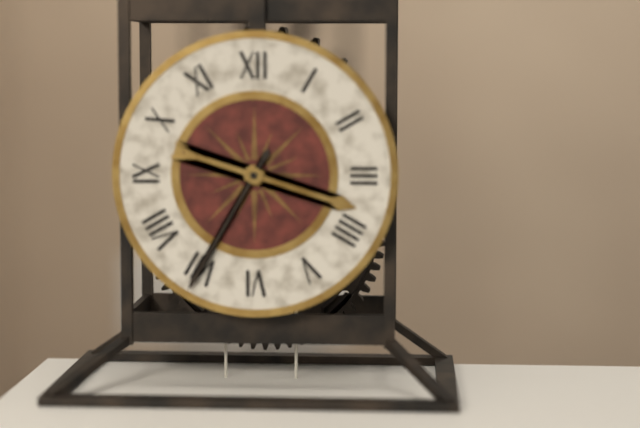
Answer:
{"hour": 3, "minute": 35}
